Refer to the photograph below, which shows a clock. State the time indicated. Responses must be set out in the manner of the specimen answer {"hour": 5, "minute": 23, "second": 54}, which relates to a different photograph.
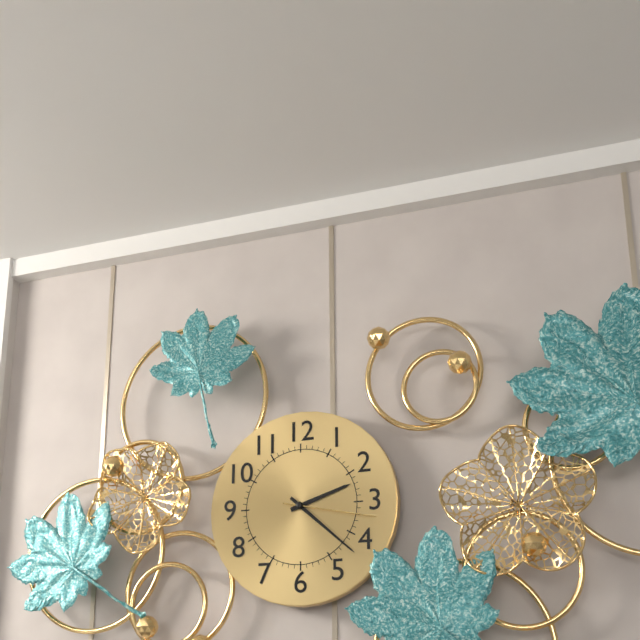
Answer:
{"hour": 2, "minute": 22, "second": 17}
